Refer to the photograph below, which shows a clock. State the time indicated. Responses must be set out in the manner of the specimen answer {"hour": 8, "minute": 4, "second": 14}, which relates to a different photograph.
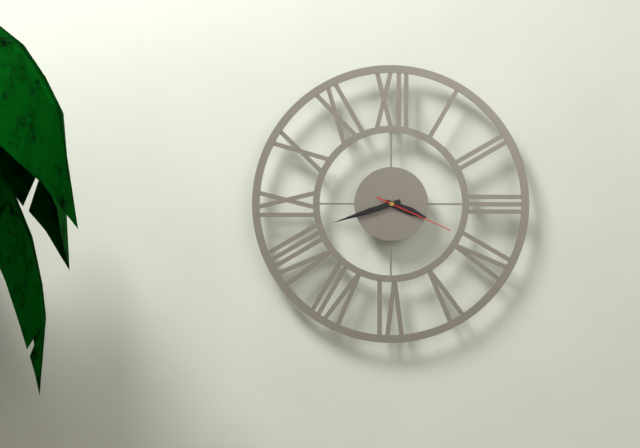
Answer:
{"hour": 3, "minute": 42, "second": 19}
